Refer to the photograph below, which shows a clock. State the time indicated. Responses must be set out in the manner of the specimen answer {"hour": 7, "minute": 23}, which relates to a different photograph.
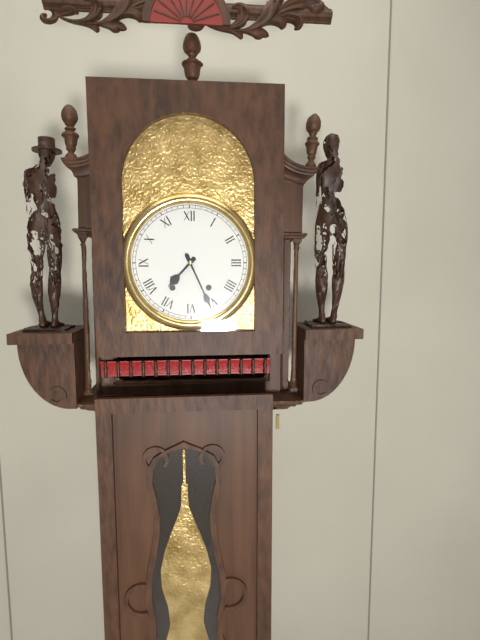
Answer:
{"hour": 7, "minute": 26}
